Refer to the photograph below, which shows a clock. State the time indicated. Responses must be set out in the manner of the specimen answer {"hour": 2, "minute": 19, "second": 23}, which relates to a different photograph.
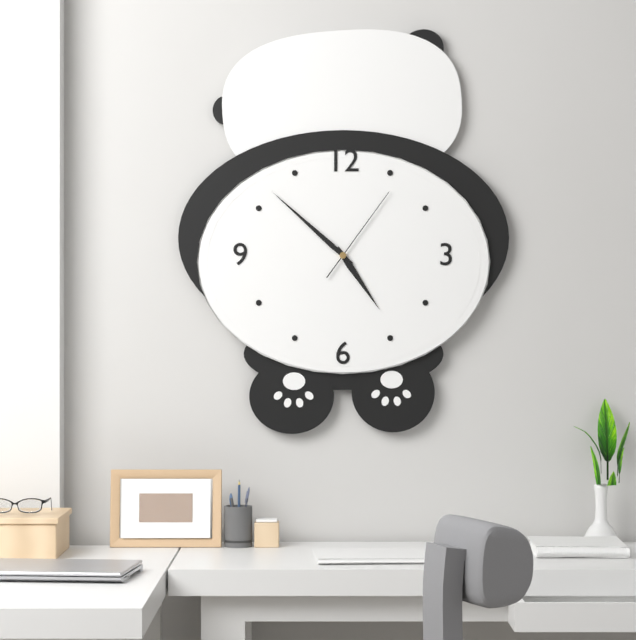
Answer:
{"hour": 4, "minute": 52, "second": 6}
